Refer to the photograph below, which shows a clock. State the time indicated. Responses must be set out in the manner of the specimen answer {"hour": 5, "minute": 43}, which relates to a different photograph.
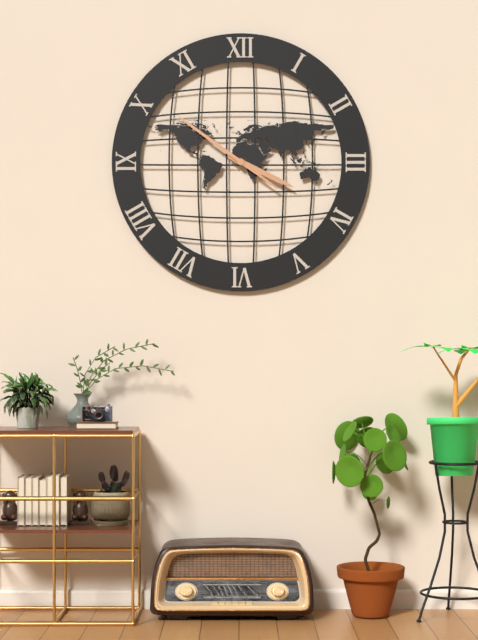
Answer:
{"hour": 3, "minute": 51}
